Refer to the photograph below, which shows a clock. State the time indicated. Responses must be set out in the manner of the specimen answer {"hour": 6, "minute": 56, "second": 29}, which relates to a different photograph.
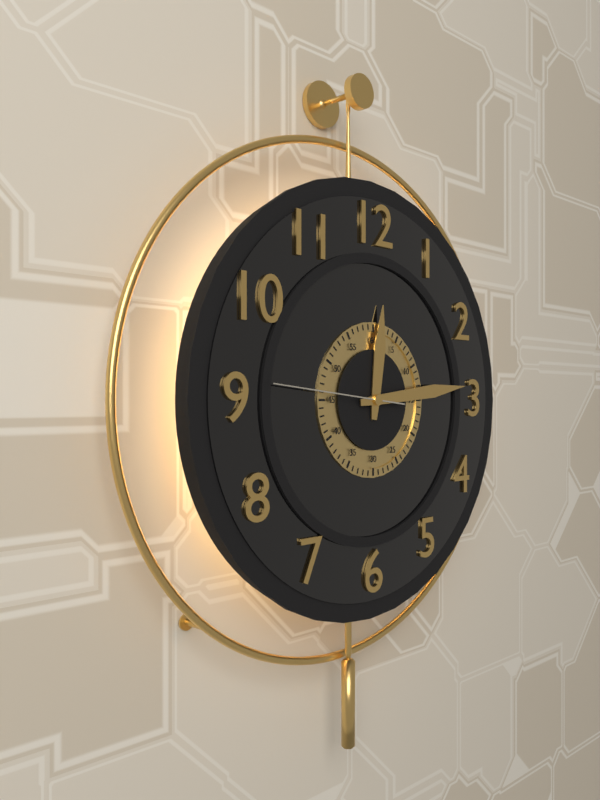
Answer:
{"hour": 12, "minute": 14, "second": 46}
